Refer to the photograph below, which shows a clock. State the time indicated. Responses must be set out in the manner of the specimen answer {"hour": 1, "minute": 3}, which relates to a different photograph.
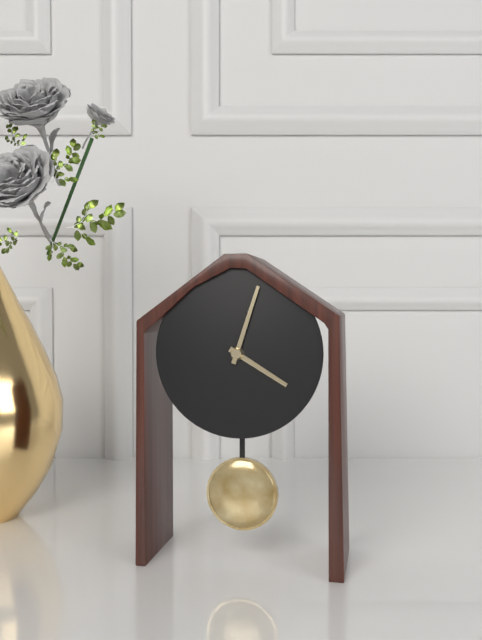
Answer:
{"hour": 4, "minute": 3}
